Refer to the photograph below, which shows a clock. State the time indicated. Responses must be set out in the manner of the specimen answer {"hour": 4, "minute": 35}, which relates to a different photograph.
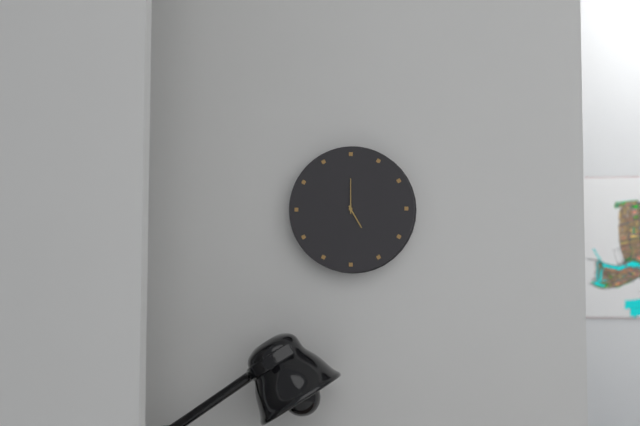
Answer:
{"hour": 5, "minute": 0}
